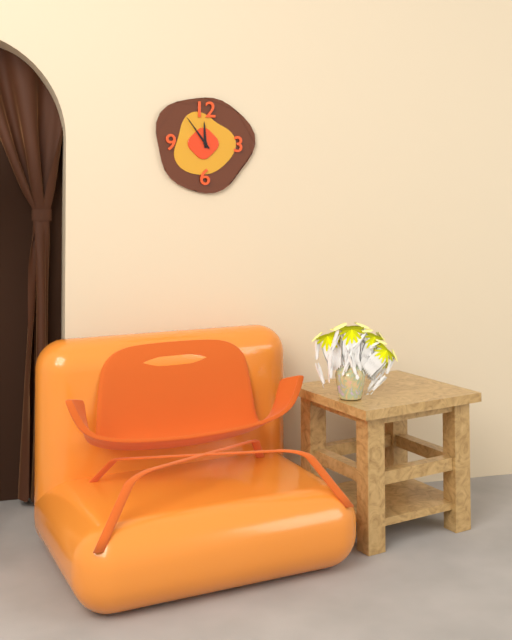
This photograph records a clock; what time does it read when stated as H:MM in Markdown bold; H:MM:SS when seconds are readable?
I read **11:54**
